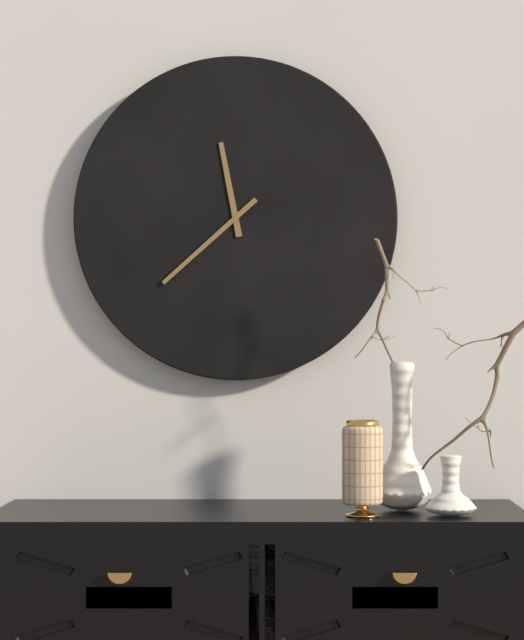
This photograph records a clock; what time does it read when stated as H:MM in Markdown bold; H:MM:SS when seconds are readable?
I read **11:38**
